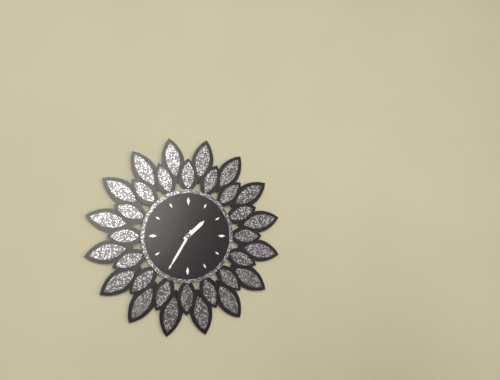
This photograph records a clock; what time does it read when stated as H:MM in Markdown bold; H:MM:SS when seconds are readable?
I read **1:35**
